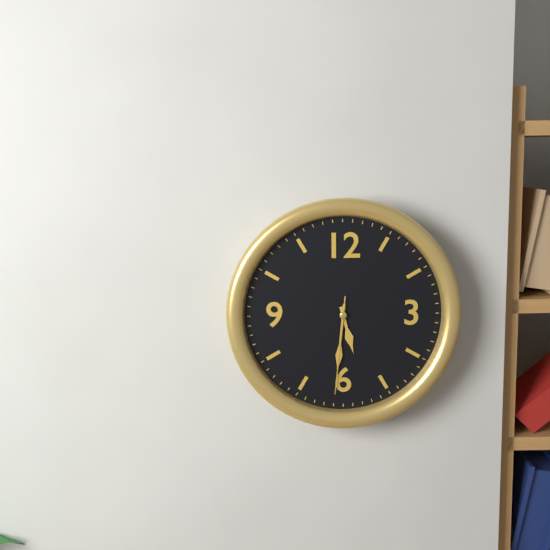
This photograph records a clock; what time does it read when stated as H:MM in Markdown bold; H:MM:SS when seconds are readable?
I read **5:31:31**
